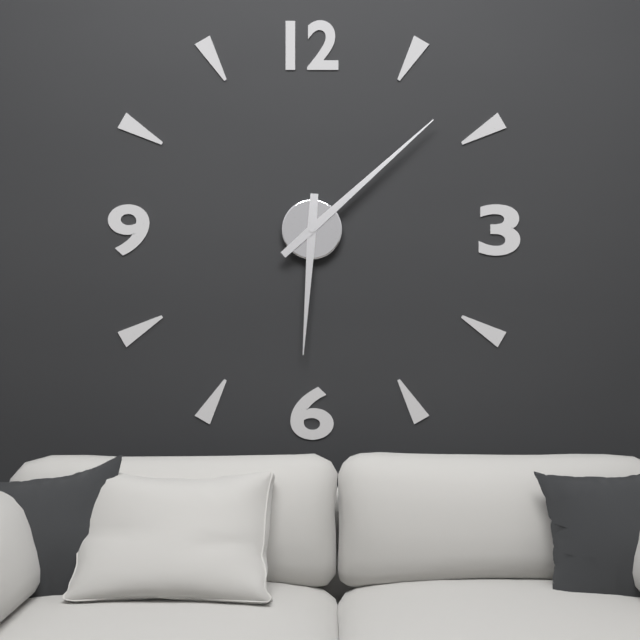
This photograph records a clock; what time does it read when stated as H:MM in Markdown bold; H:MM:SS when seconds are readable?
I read **6:08**
